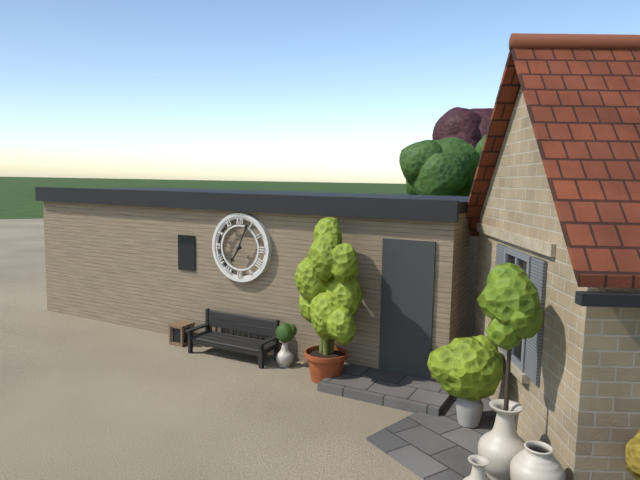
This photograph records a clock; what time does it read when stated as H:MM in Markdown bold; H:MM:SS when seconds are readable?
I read **7:04**
